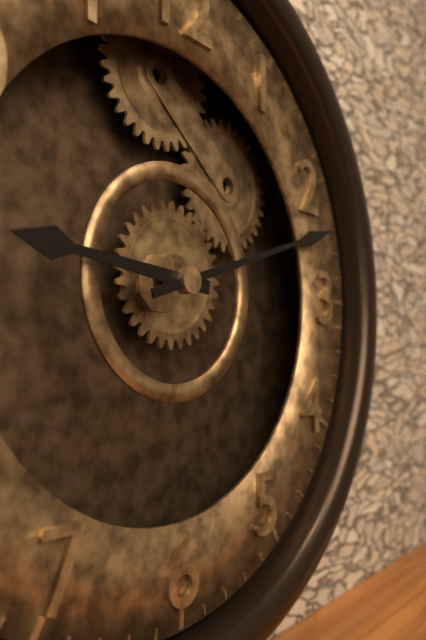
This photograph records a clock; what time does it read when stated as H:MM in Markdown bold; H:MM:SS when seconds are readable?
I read **9:12**
